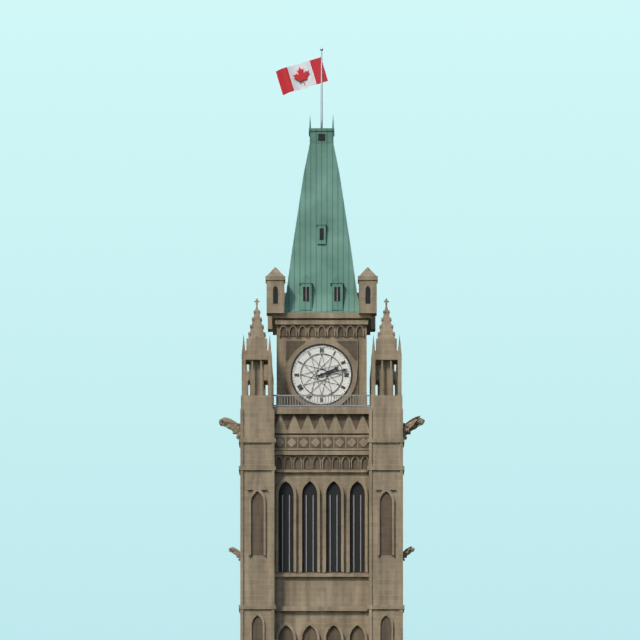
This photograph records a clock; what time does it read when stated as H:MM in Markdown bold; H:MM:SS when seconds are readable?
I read **2:13**
